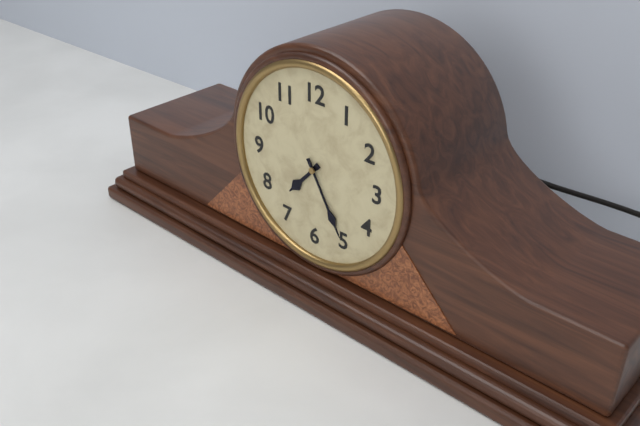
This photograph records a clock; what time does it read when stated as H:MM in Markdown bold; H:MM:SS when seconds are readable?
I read **7:25**
